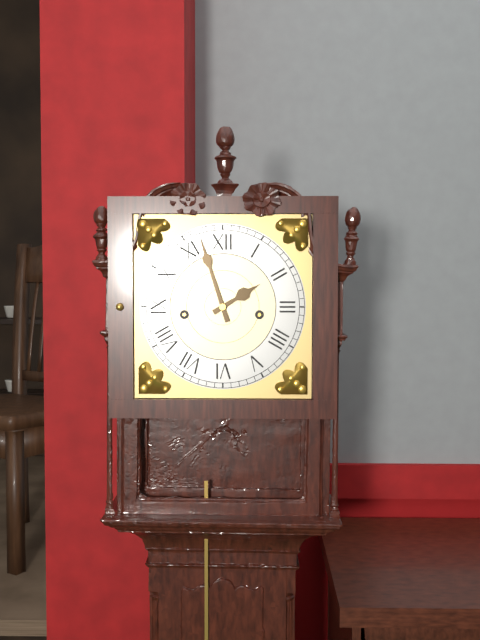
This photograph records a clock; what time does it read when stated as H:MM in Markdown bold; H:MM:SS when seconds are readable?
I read **1:57**
